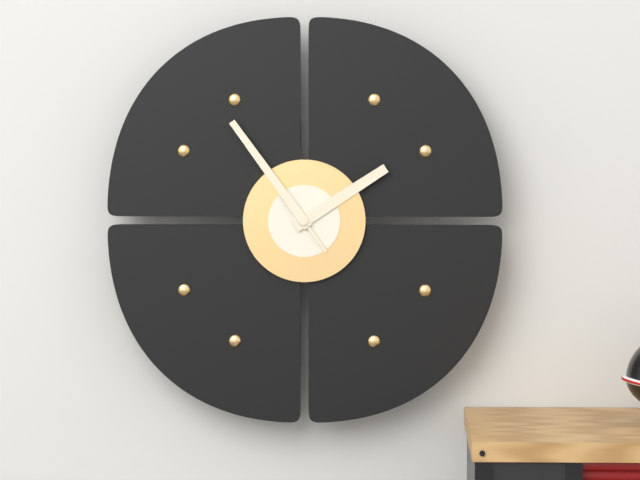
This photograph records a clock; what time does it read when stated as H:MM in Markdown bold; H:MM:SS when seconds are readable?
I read **1:54**
